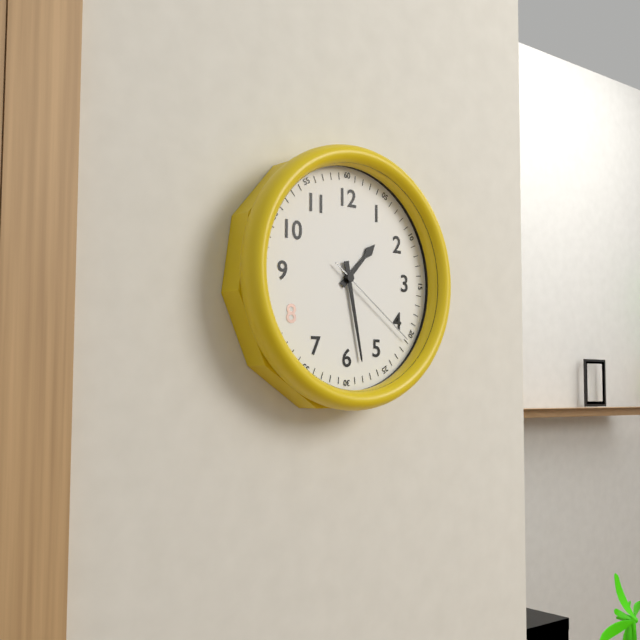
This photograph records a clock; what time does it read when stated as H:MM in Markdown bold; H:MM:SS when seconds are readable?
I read **1:28:21**
